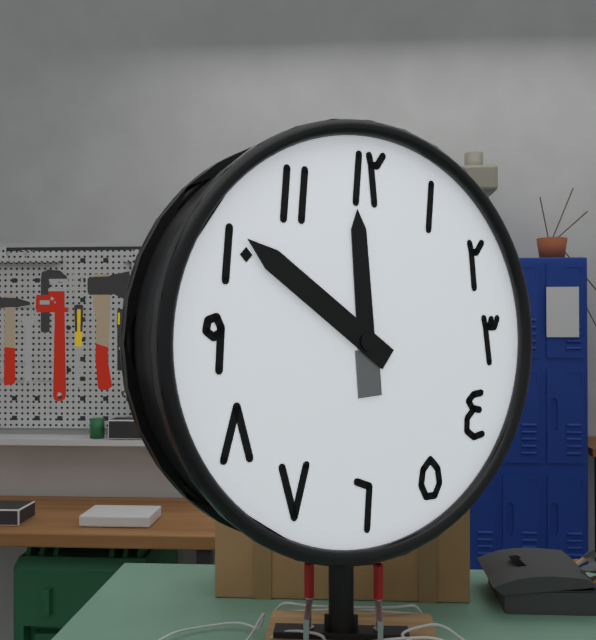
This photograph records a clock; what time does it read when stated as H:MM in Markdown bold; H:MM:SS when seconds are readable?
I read **11:51**
